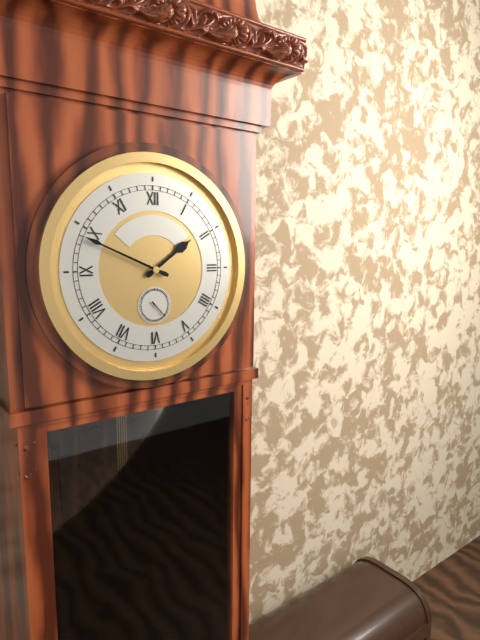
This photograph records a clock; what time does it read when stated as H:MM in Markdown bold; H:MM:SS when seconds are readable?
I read **1:49**
